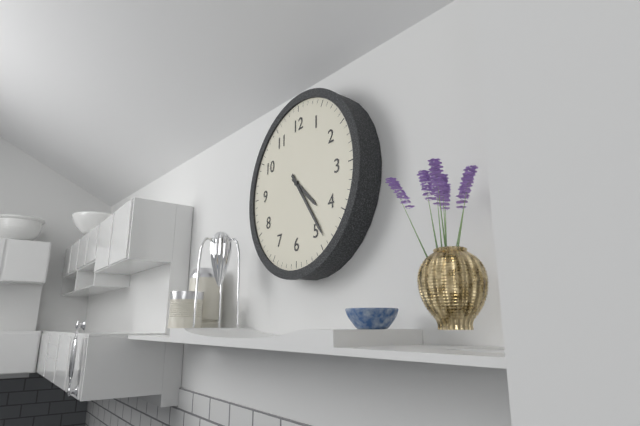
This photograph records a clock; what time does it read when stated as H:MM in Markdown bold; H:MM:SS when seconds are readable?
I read **4:24**
